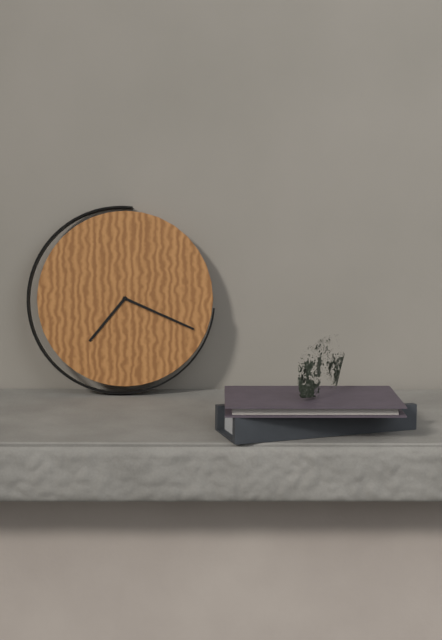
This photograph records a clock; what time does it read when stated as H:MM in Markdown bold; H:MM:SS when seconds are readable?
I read **7:19**
